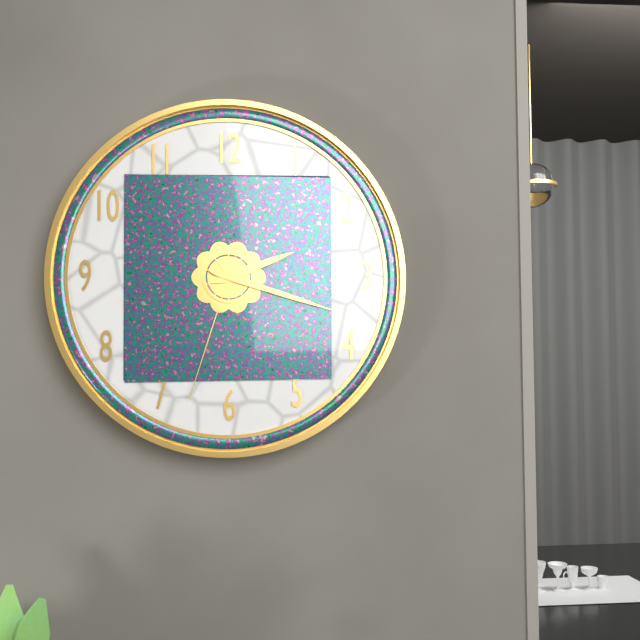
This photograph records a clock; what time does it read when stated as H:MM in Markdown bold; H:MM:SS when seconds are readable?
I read **2:18:33**
